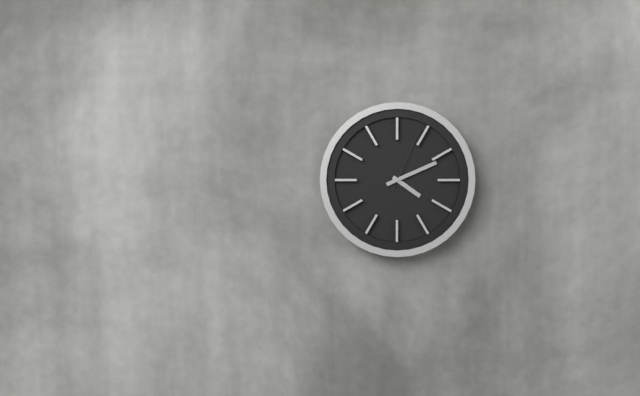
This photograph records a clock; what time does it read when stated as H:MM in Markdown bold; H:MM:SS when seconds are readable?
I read **4:11:04**
